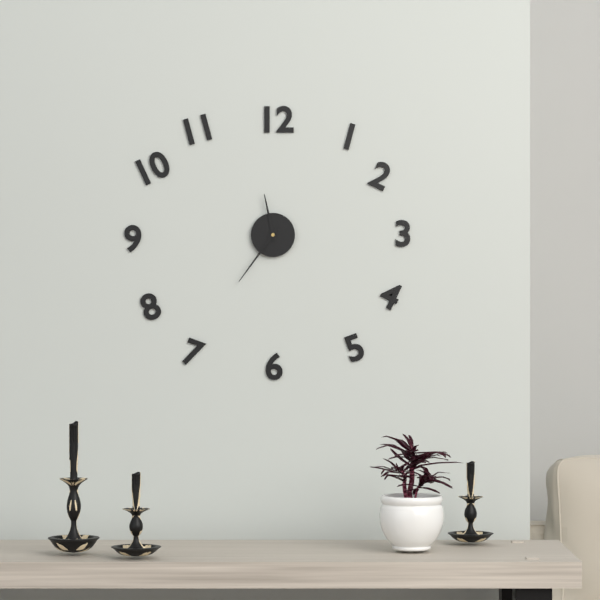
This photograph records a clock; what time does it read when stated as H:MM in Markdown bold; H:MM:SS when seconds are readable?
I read **11:36**
